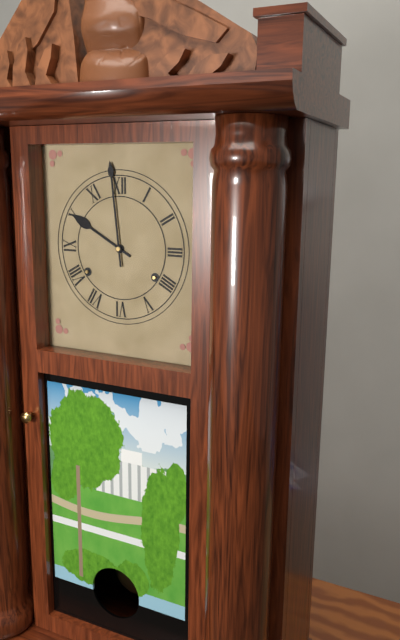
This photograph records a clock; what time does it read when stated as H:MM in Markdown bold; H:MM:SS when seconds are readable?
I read **9:59**
